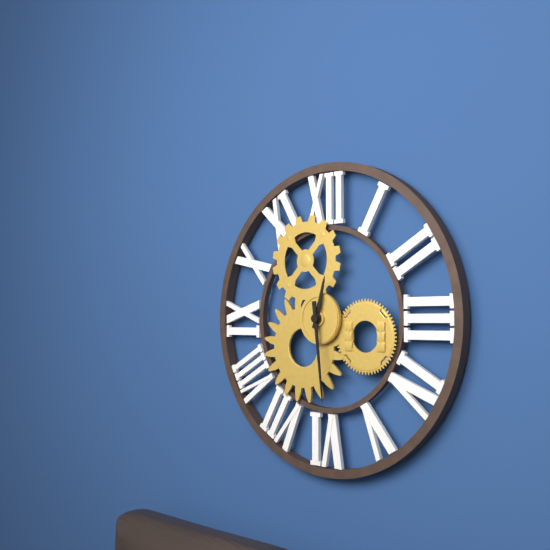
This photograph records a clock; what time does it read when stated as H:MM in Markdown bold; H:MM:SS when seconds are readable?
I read **12:29**
